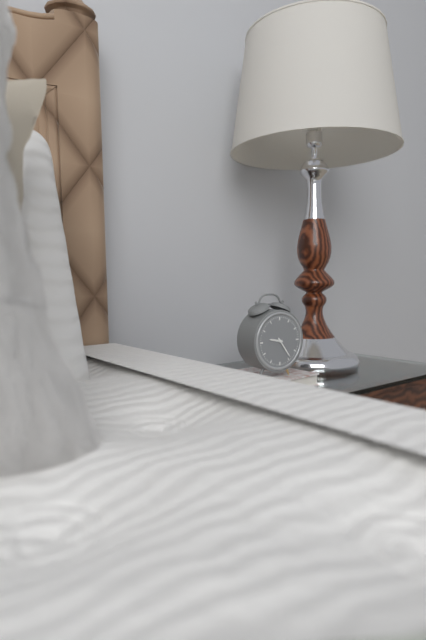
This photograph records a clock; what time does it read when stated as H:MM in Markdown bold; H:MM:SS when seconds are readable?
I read **9:24**
